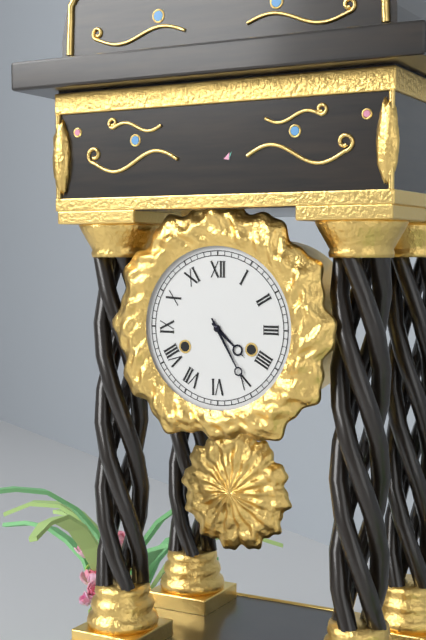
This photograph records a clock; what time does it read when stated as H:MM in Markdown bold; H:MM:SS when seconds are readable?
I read **4:25**
